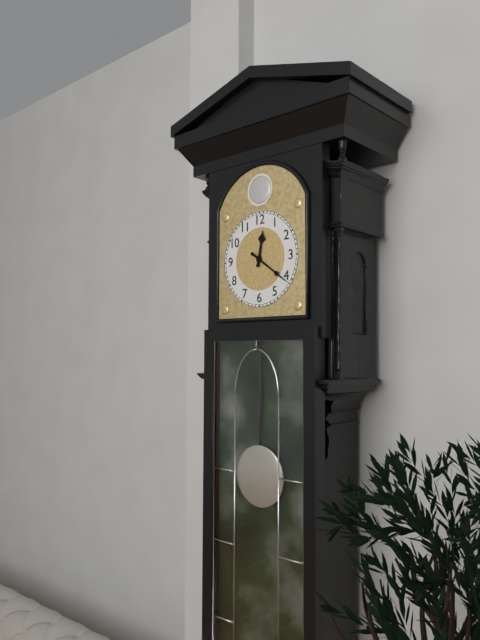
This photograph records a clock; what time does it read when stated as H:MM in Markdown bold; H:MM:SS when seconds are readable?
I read **12:21**
